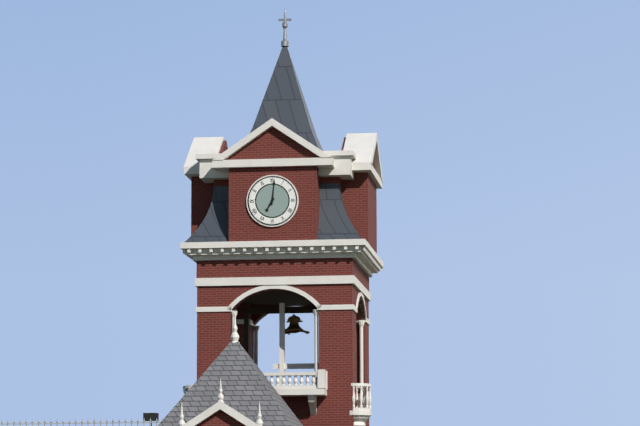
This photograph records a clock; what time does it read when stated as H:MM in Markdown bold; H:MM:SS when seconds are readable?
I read **7:01**
